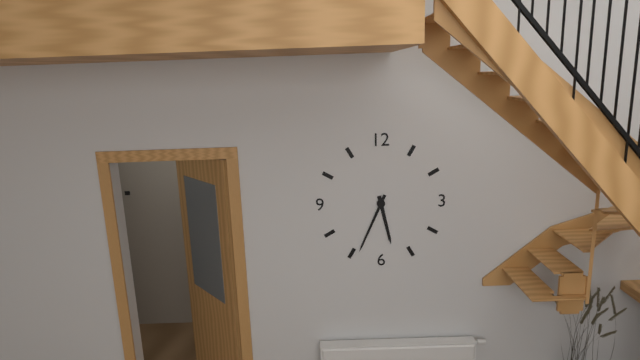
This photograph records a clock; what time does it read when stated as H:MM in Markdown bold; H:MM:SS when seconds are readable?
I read **5:34**
